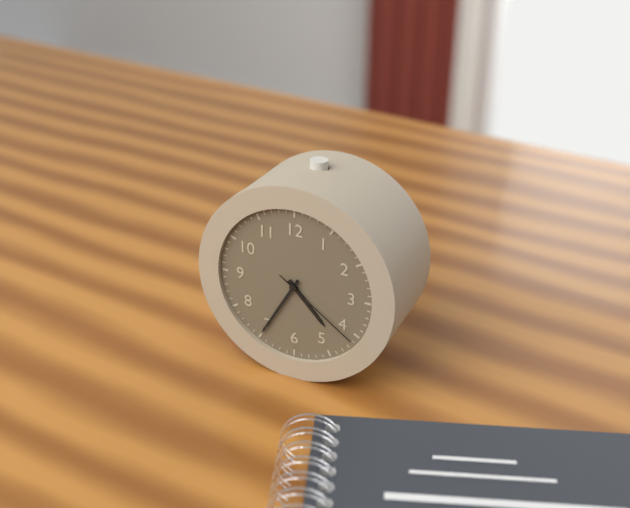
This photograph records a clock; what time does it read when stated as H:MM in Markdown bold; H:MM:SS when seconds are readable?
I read **4:35:21**
